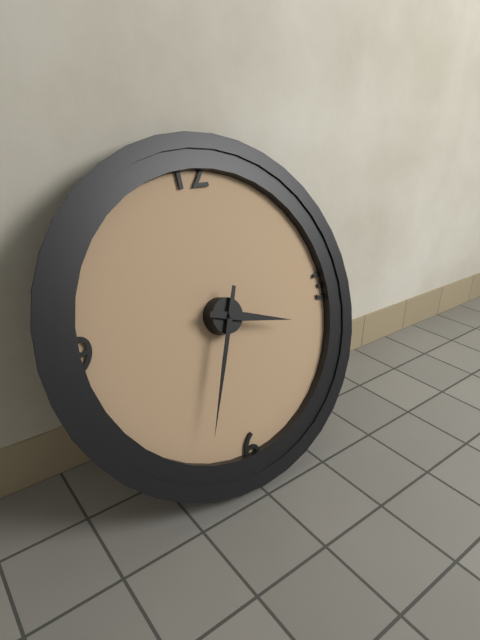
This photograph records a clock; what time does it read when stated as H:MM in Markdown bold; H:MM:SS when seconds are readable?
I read **3:34**
